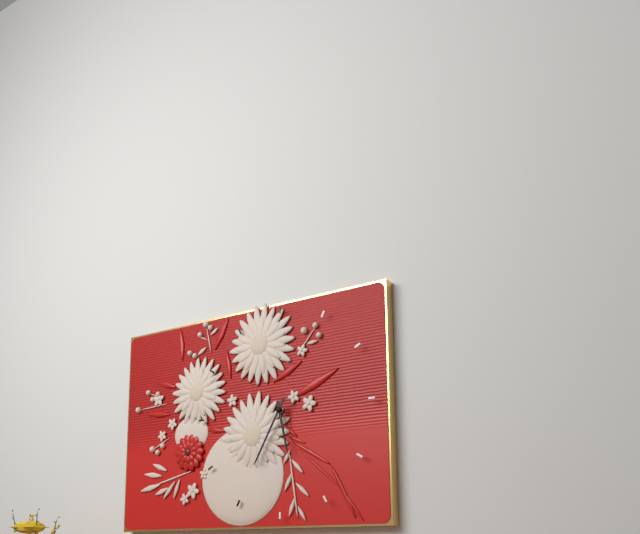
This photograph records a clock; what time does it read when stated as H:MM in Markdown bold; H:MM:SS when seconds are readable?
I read **5:35**
